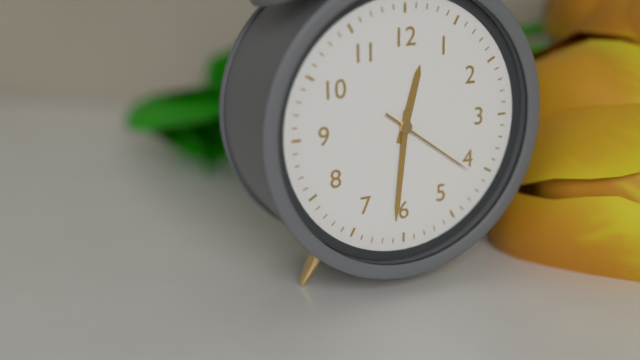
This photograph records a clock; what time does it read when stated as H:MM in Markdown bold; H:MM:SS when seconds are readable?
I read **12:31:21**
